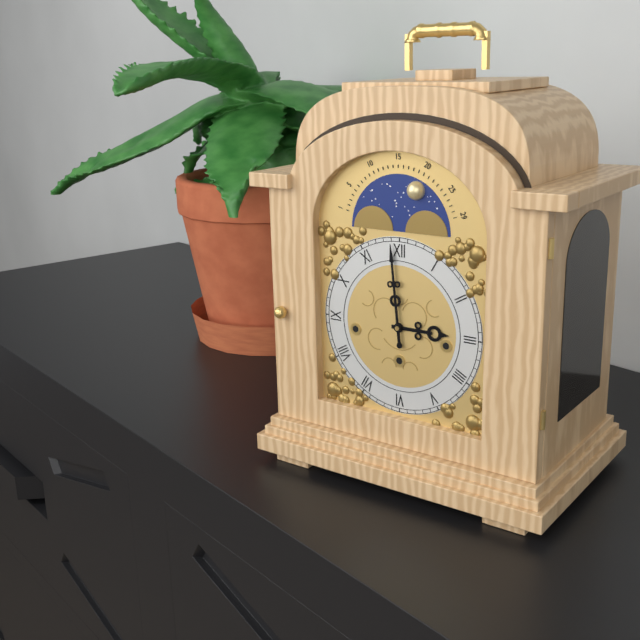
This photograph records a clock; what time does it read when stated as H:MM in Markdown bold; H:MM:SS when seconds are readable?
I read **2:59**
